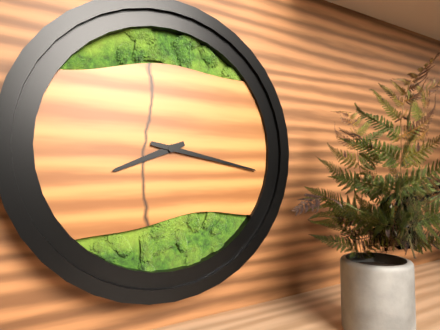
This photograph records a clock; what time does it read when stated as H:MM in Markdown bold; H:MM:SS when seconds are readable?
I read **8:17**
